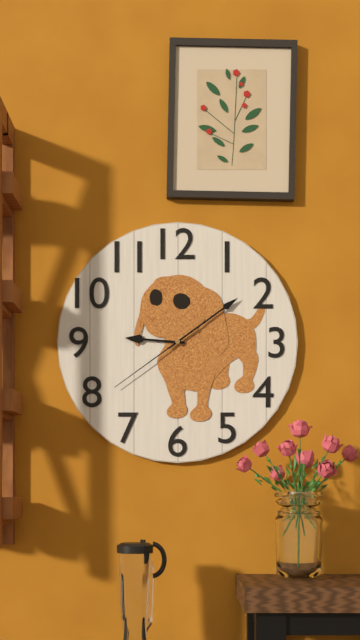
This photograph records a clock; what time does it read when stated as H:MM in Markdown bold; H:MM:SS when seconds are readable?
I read **9:09:39**
